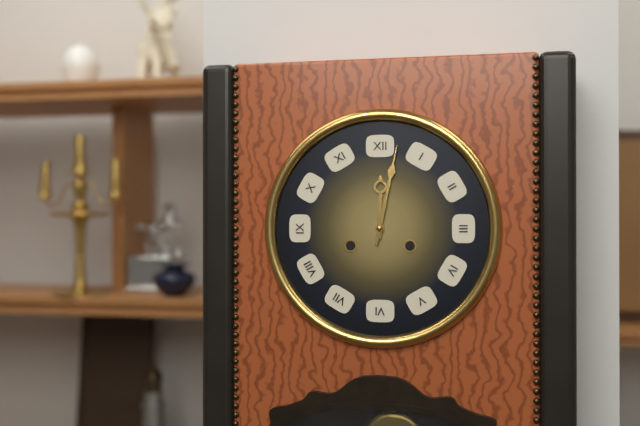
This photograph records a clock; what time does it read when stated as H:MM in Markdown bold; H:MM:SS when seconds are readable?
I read **12:02**
